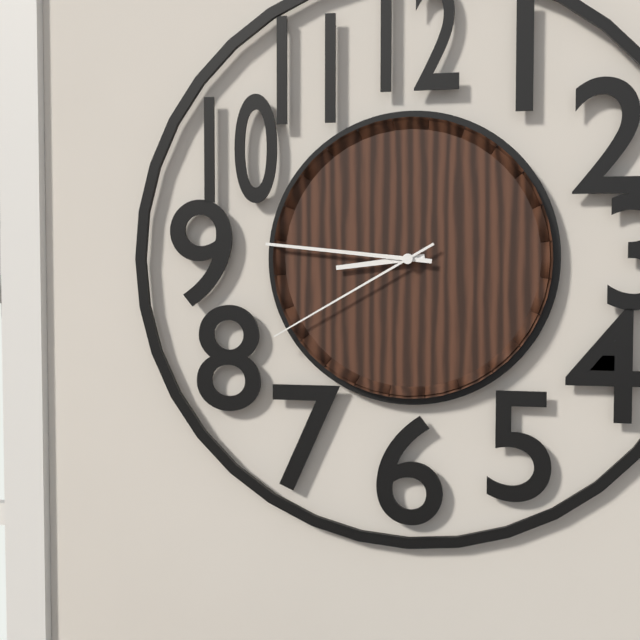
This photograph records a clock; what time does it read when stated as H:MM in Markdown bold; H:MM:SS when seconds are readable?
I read **8:46:40**
